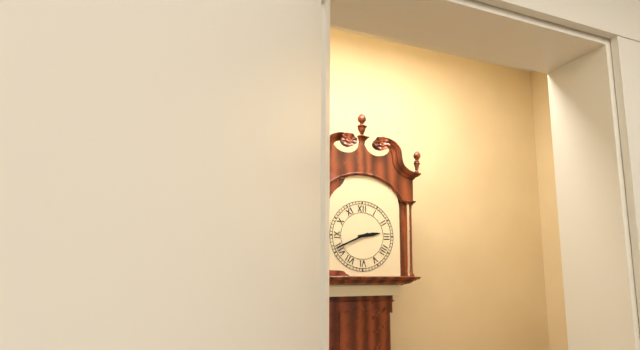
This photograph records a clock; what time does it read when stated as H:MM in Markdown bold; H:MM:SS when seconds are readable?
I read **2:41**
